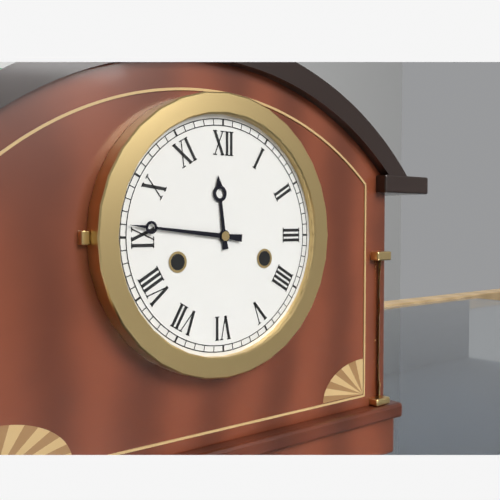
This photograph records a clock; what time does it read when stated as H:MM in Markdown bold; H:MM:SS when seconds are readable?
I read **11:46**
